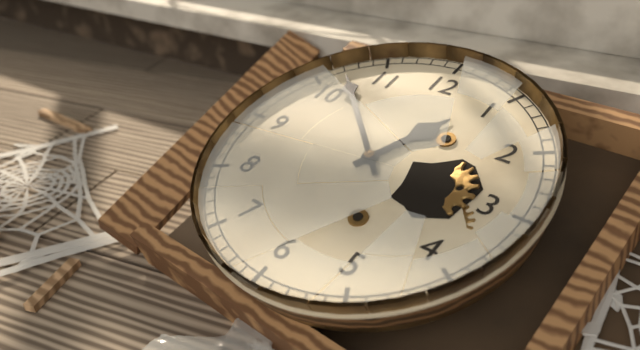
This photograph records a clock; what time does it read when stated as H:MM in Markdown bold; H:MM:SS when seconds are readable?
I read **12:52**
